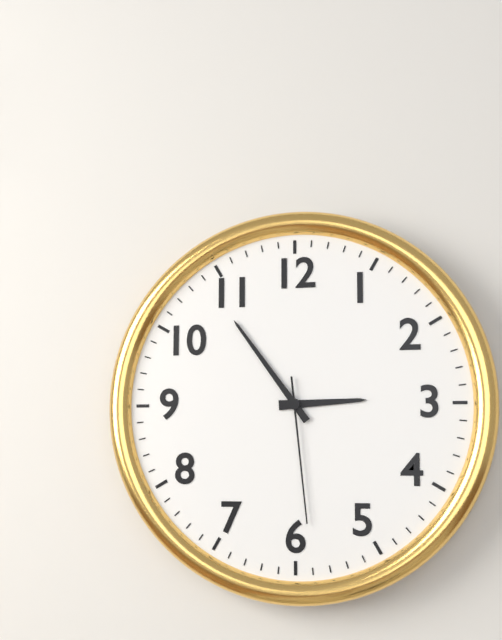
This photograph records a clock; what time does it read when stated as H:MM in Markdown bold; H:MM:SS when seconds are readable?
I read **2:54:29**
